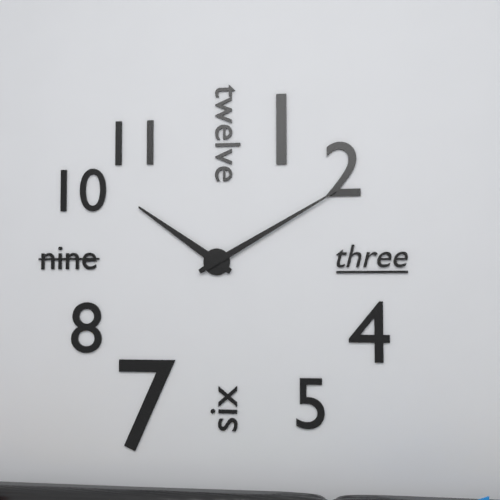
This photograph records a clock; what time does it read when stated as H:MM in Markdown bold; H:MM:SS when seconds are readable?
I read **10:10**
